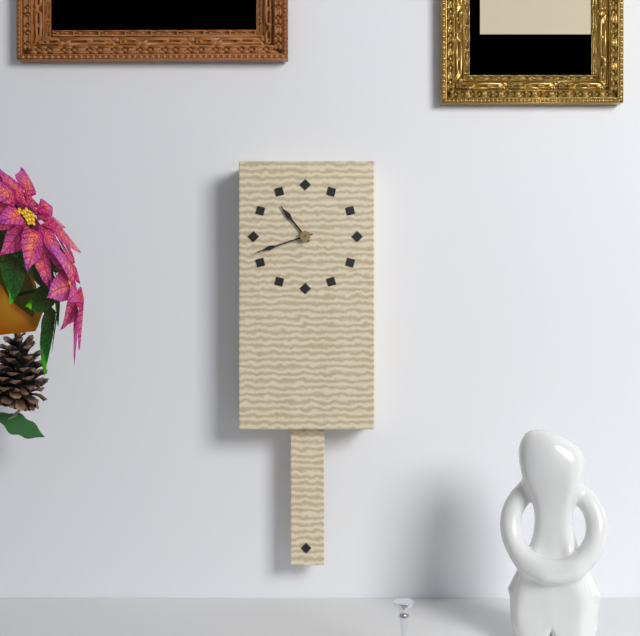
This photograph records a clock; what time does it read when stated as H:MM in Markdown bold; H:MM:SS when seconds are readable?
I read **10:42**
